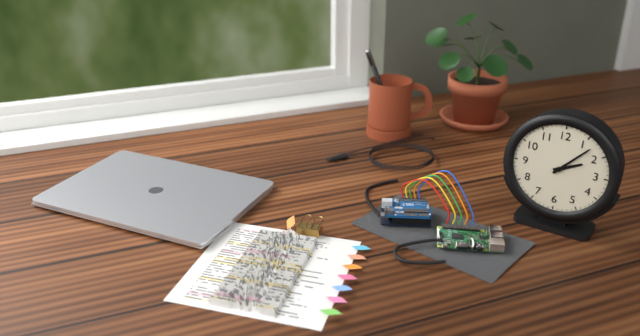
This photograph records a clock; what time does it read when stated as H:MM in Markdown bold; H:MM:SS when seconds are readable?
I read **2:07**
